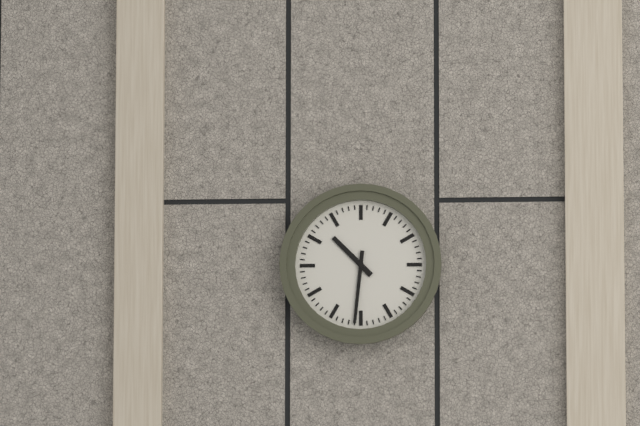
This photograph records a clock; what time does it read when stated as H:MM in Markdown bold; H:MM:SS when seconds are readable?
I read **10:31**
